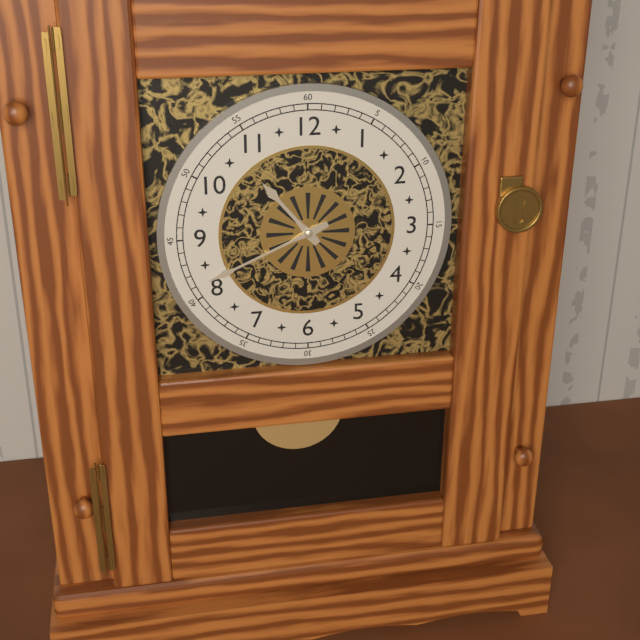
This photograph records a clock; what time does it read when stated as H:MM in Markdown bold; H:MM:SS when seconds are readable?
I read **10:41**
